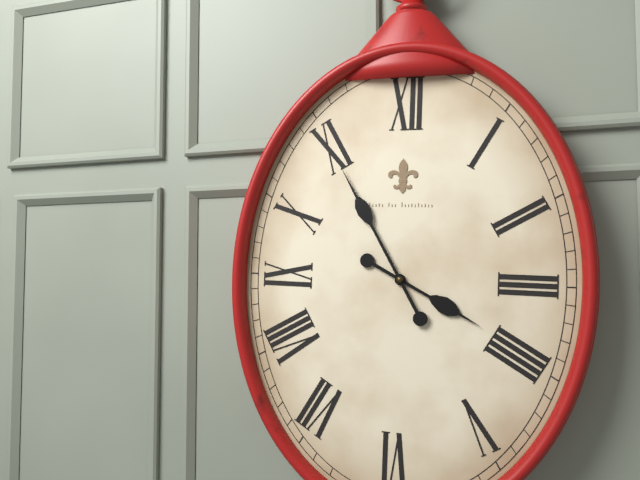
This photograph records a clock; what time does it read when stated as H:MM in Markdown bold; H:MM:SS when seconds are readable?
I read **3:55**
